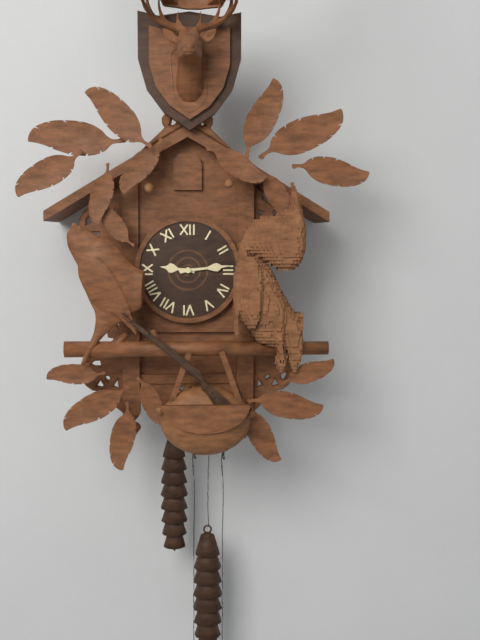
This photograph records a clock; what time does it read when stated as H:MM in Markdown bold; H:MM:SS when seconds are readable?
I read **9:14**
